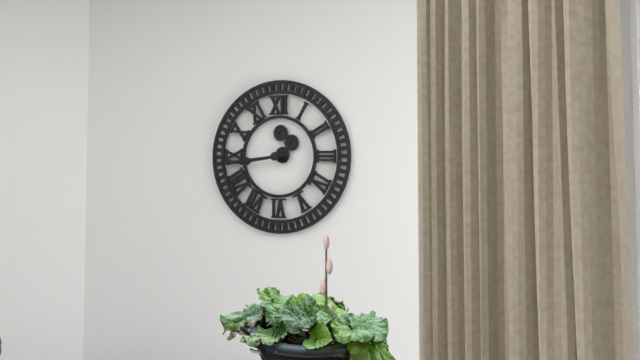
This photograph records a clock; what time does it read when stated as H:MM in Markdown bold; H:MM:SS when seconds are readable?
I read **8:44**
